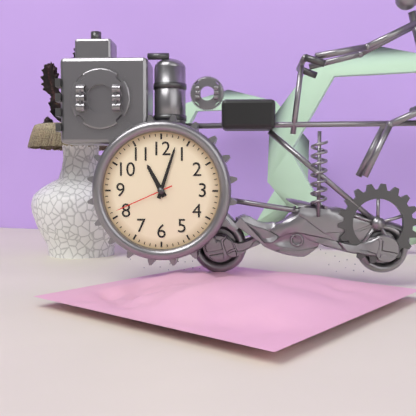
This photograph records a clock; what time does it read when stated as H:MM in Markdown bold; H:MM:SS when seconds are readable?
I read **11:03:41**
